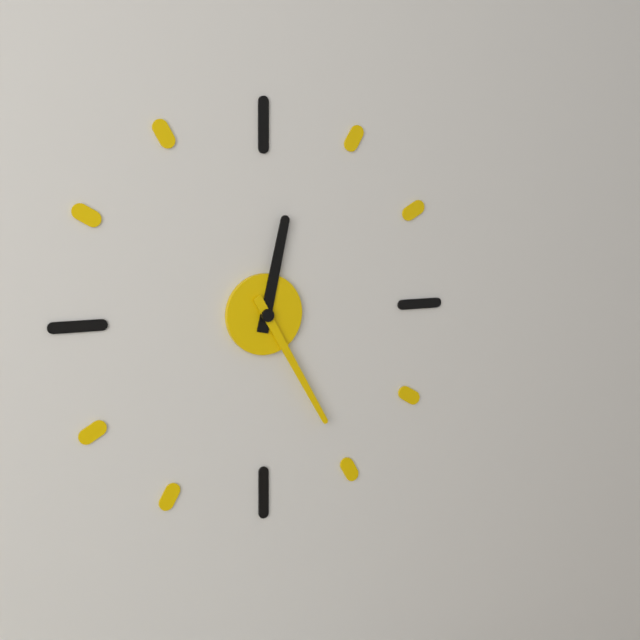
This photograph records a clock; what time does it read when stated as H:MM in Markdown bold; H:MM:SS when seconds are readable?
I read **12:25**
